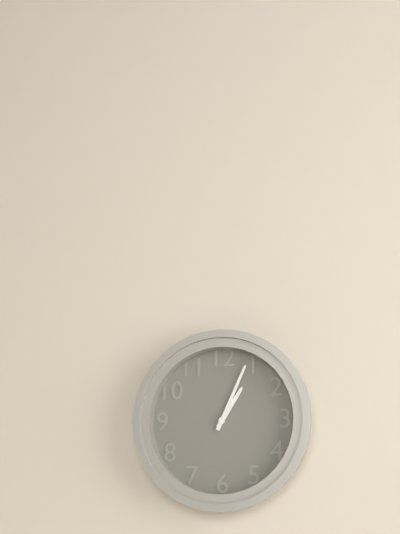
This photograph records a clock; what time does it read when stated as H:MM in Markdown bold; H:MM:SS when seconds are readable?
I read **1:04**
